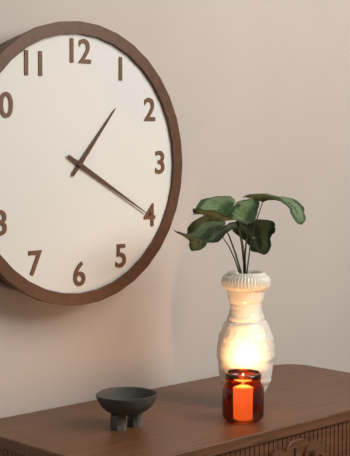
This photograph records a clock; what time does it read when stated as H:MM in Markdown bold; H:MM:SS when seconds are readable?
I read **1:20**
